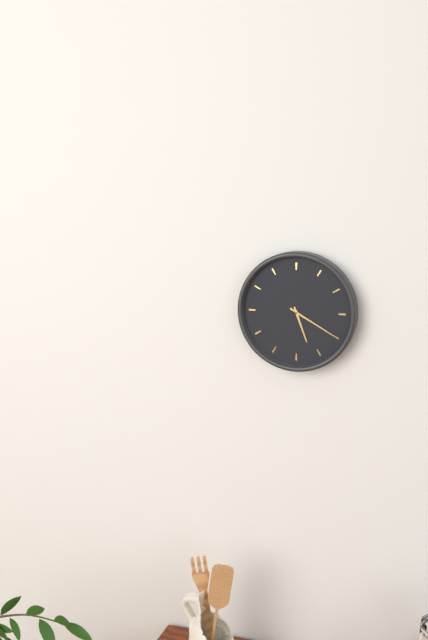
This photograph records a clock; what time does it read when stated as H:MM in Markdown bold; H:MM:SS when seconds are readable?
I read **5:20**
